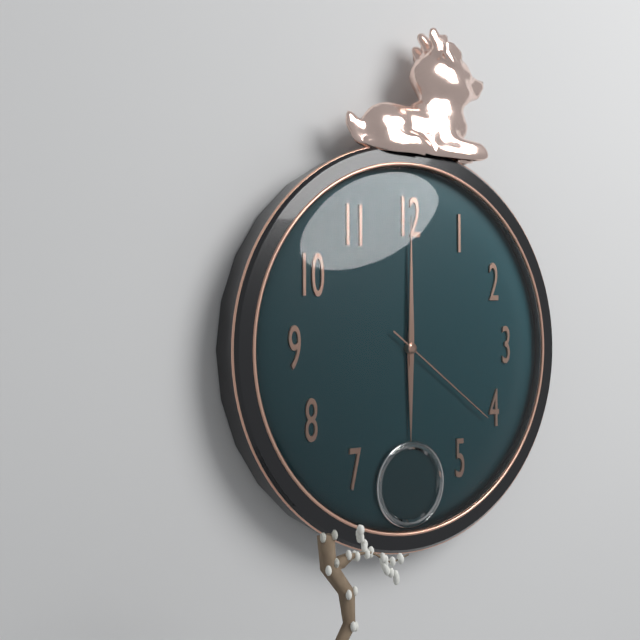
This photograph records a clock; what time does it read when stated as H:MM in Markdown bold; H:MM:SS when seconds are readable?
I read **6:00:21**
